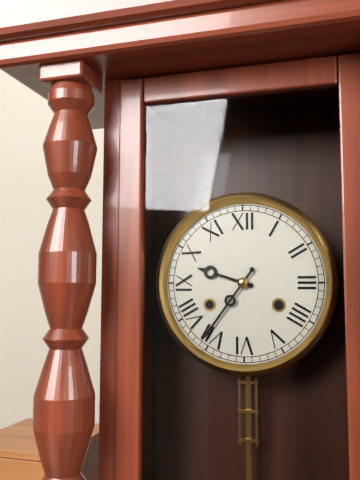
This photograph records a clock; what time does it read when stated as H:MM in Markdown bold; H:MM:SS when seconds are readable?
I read **9:36**
